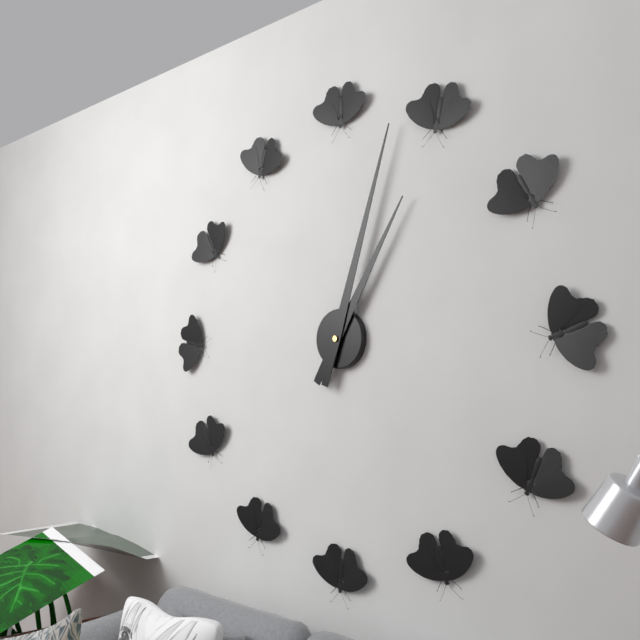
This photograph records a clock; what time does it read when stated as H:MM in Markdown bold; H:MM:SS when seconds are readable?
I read **1:03**
